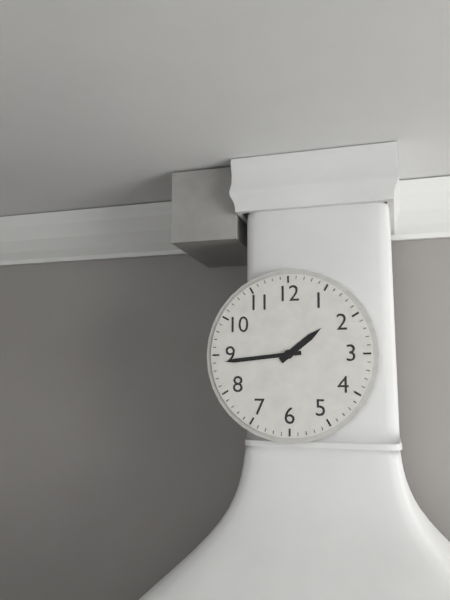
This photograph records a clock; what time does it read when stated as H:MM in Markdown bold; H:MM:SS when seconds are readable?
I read **1:44**
